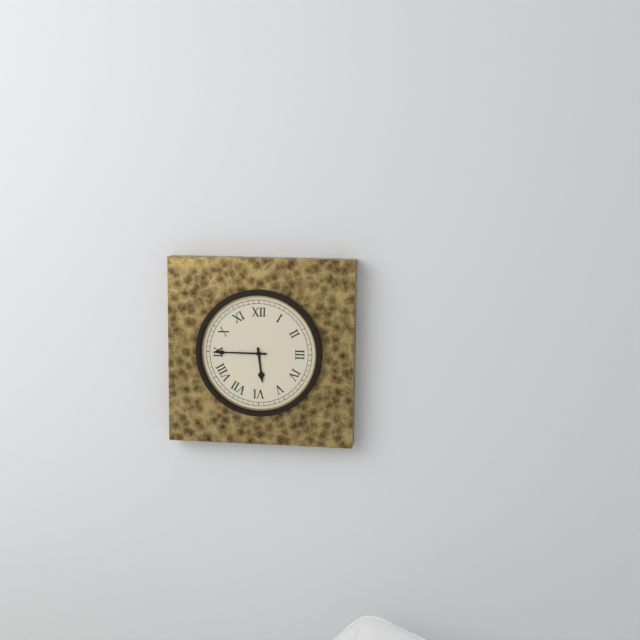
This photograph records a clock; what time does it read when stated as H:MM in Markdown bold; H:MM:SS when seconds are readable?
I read **5:45**
